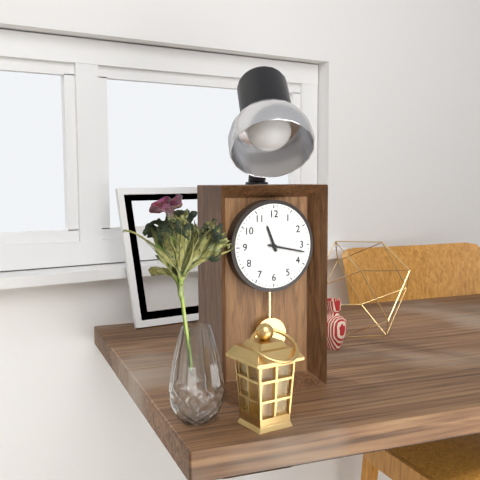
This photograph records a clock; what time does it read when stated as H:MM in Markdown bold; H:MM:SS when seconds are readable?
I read **11:17**
